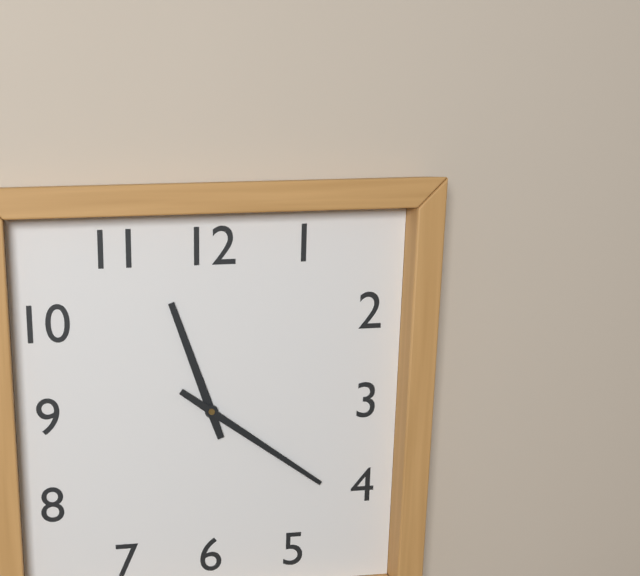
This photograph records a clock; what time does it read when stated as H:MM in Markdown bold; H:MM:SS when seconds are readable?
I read **11:21**
